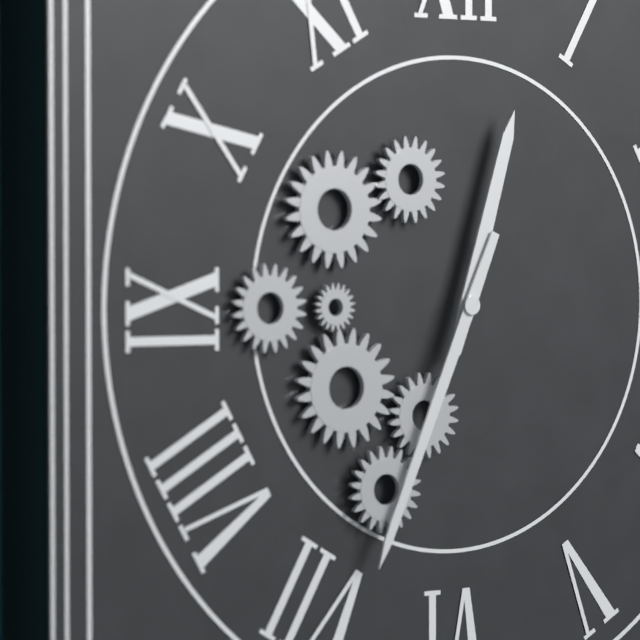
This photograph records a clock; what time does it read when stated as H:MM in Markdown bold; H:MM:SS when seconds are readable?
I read **12:34**
